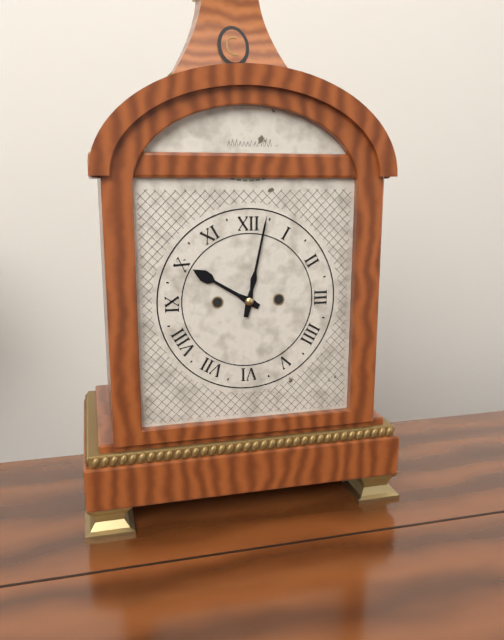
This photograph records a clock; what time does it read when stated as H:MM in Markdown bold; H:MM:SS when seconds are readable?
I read **10:02**
